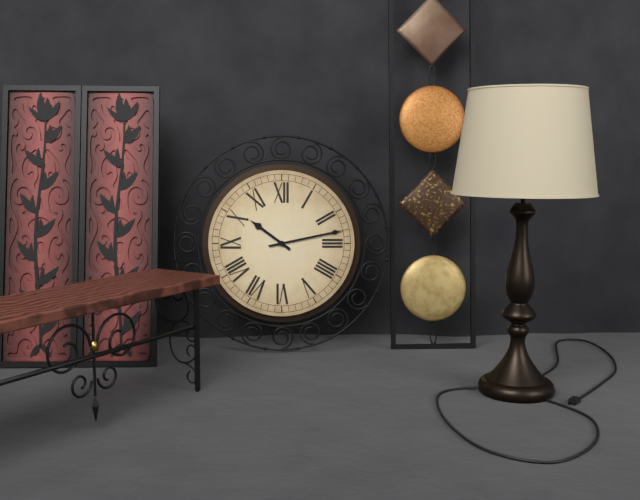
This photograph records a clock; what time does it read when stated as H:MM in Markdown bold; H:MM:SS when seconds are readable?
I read **10:13**
